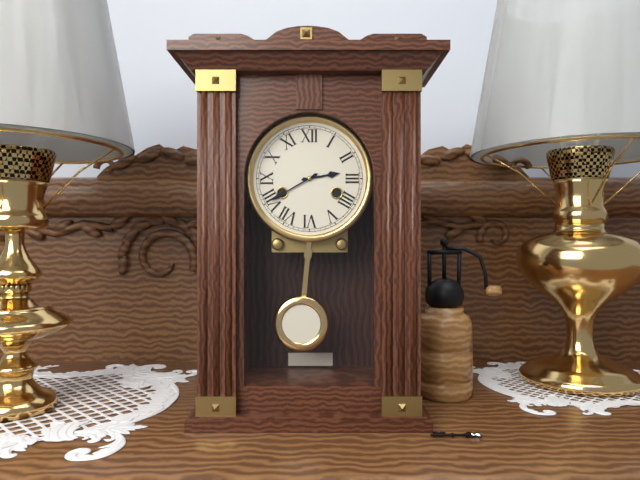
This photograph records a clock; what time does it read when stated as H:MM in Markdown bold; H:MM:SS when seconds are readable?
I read **2:40**
